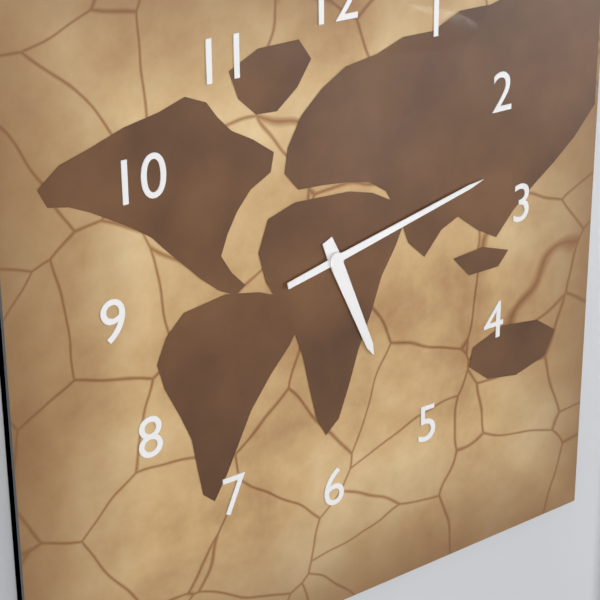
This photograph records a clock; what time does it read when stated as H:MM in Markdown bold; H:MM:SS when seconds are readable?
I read **5:13**
